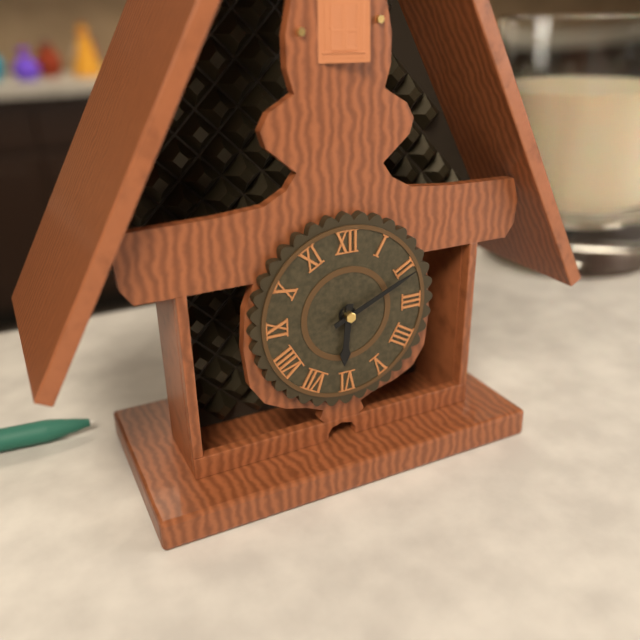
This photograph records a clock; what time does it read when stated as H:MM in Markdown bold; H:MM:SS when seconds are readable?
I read **6:11**
